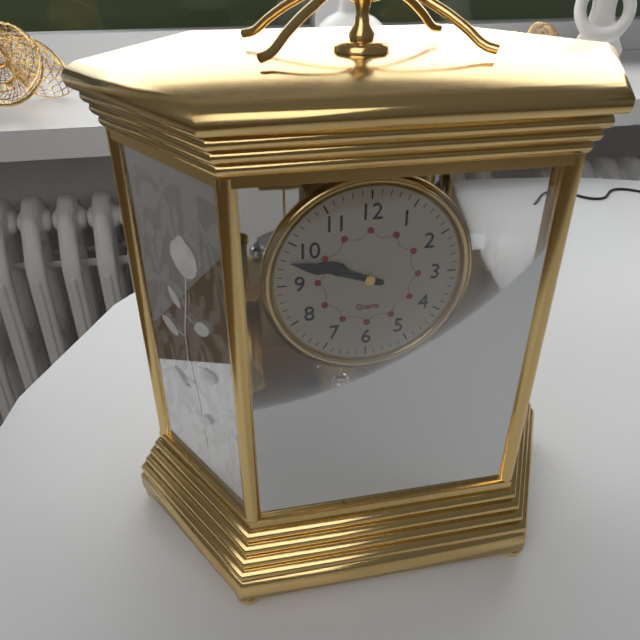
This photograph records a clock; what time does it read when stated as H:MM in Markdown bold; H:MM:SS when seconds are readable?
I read **9:48**
